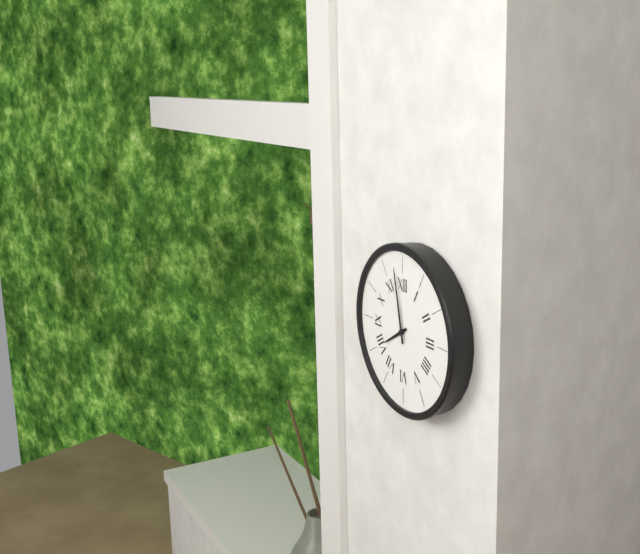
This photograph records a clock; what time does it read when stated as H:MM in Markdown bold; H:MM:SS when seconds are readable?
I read **7:58**
